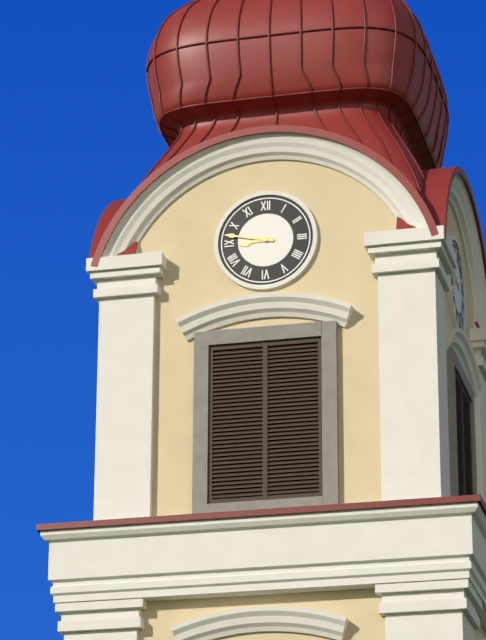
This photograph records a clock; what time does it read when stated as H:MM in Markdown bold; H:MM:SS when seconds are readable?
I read **8:47**
